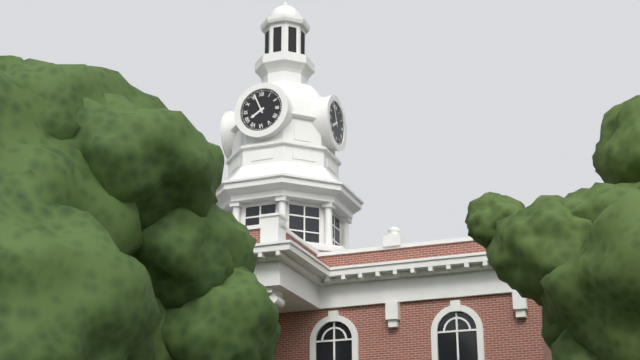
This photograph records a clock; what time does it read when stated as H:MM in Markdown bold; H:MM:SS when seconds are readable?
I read **7:56**
